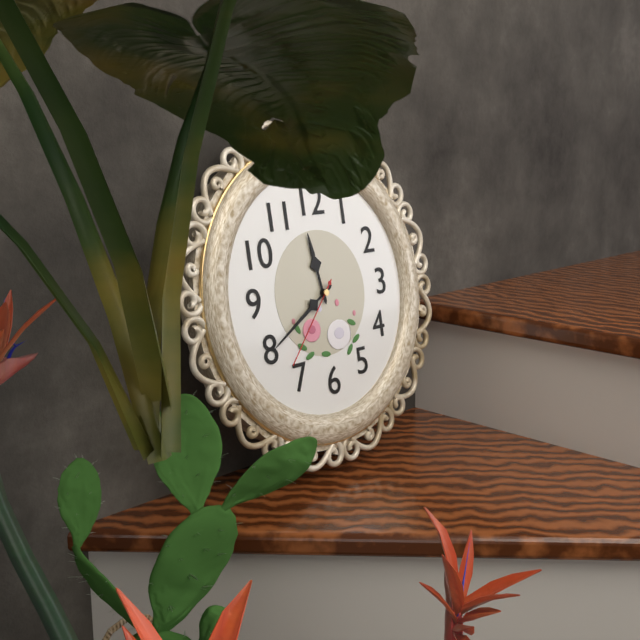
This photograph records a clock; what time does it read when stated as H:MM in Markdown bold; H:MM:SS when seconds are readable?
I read **11:40:37**
